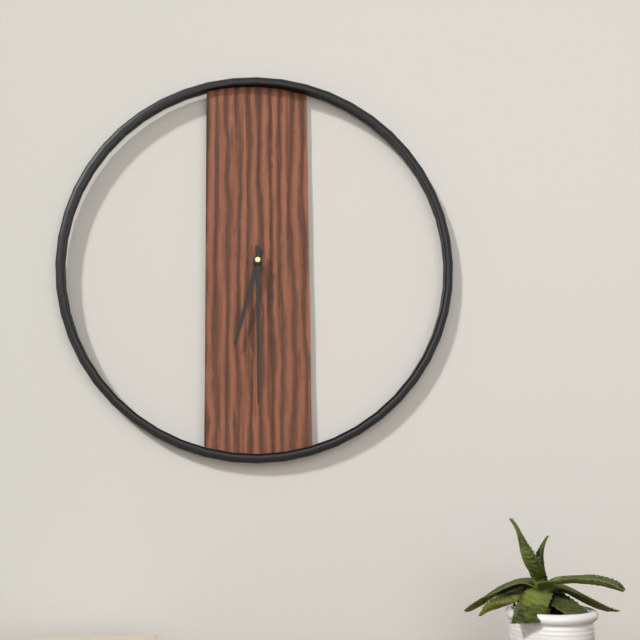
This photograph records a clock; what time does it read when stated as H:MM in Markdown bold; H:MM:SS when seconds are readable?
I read **6:30**
